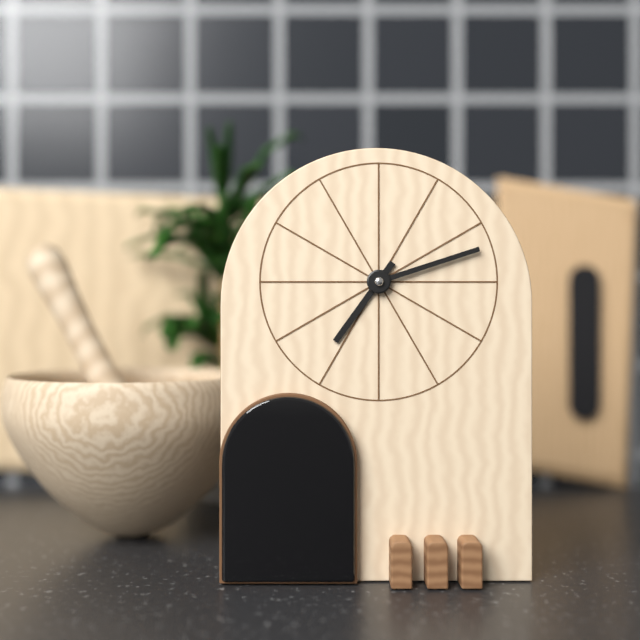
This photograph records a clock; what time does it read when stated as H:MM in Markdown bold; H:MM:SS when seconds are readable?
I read **7:12**
